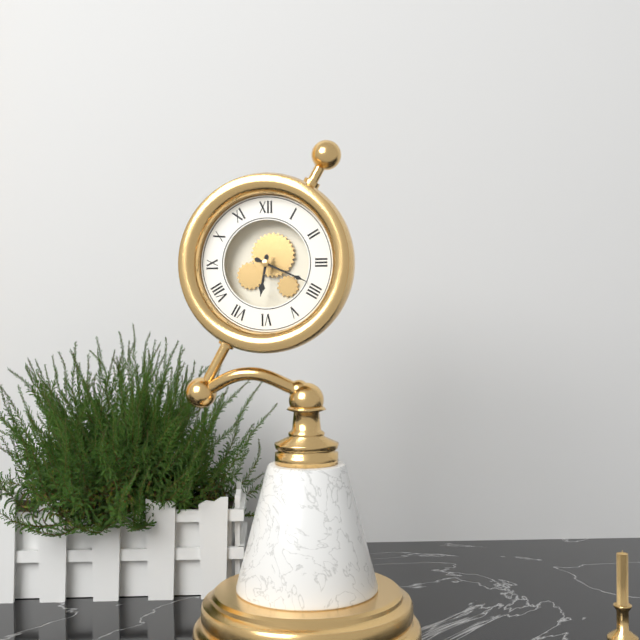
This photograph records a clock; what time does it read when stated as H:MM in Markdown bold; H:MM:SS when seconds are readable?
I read **6:19**
